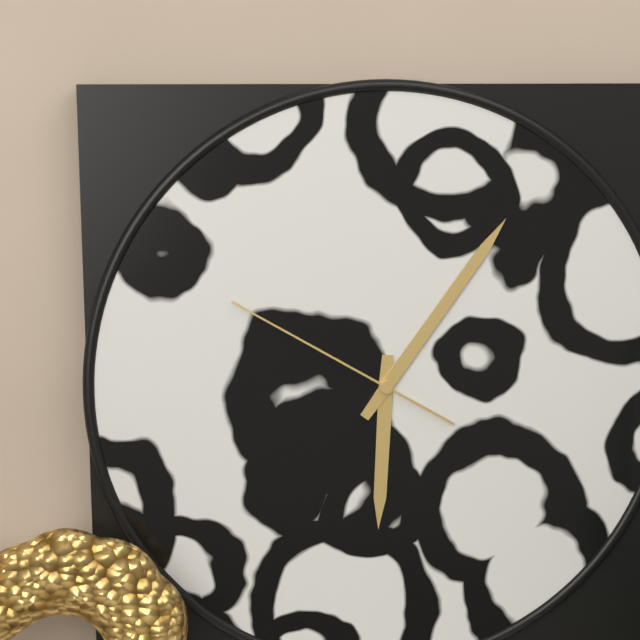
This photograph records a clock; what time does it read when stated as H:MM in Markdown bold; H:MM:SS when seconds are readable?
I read **6:06:50**
